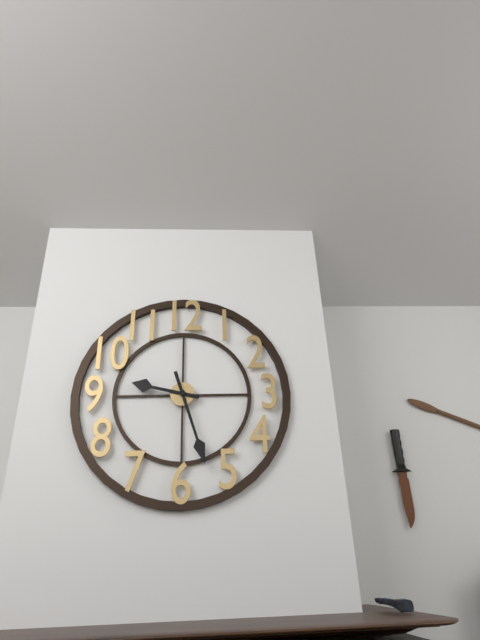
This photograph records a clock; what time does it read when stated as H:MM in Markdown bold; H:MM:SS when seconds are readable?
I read **9:27**
